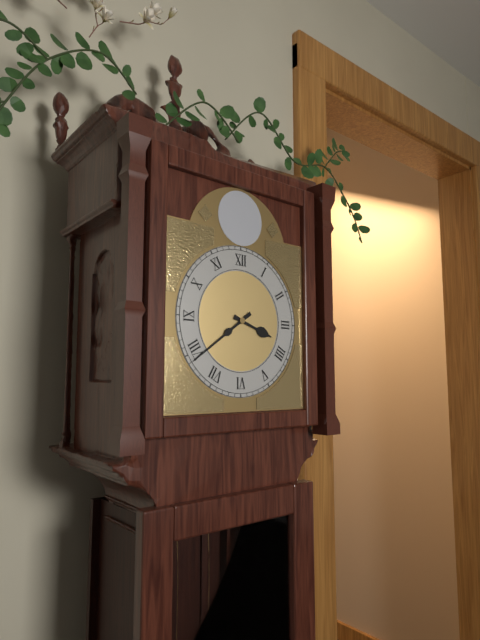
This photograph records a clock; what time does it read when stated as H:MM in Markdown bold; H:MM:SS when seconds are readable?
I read **3:39**
